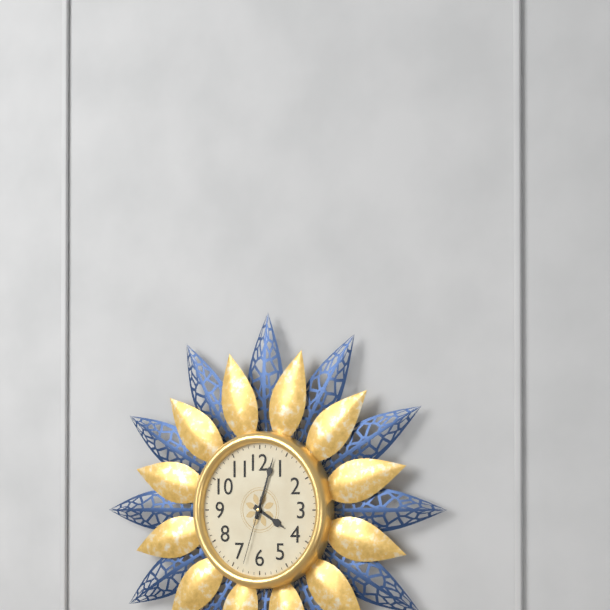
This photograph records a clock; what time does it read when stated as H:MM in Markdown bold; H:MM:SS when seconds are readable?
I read **4:03:33**
